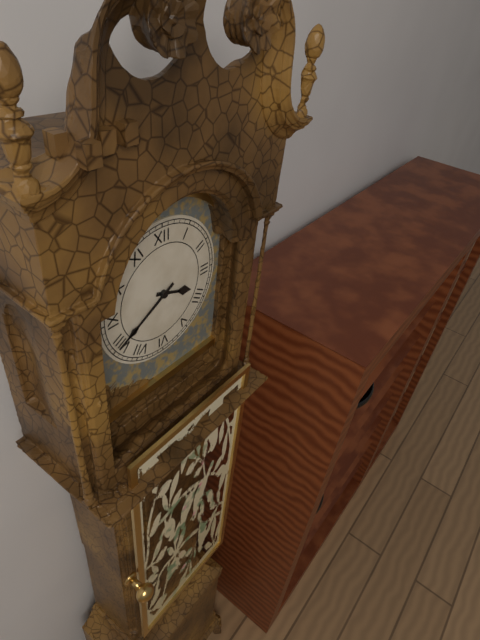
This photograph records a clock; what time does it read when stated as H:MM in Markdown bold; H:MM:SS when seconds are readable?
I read **3:40**
